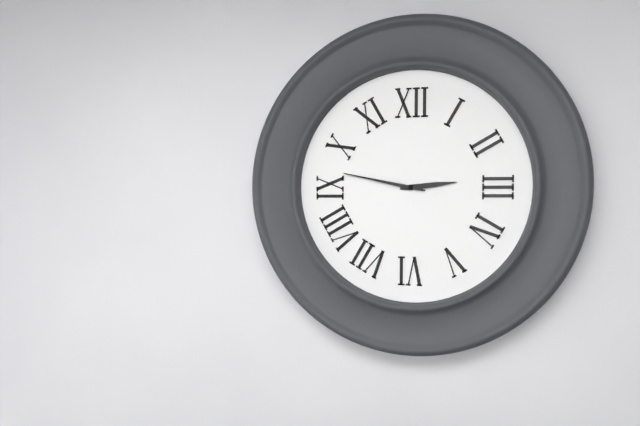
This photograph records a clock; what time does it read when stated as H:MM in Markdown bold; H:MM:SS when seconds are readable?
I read **2:47**
